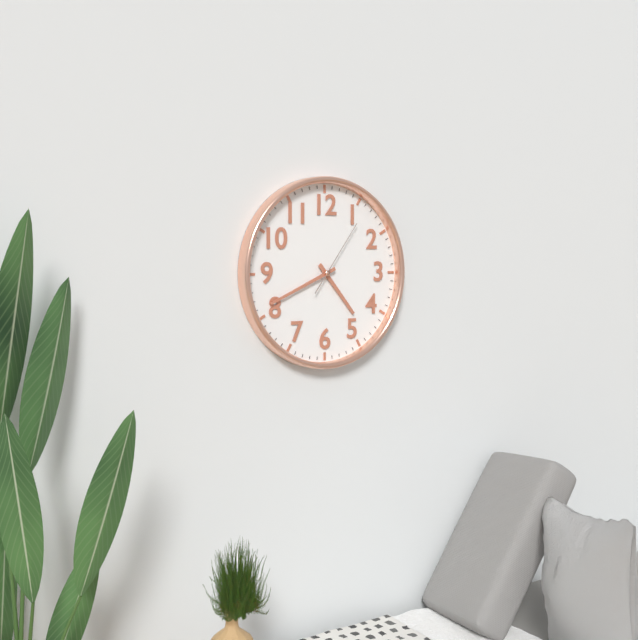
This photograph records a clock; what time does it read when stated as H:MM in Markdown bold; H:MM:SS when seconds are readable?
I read **4:41:06**
